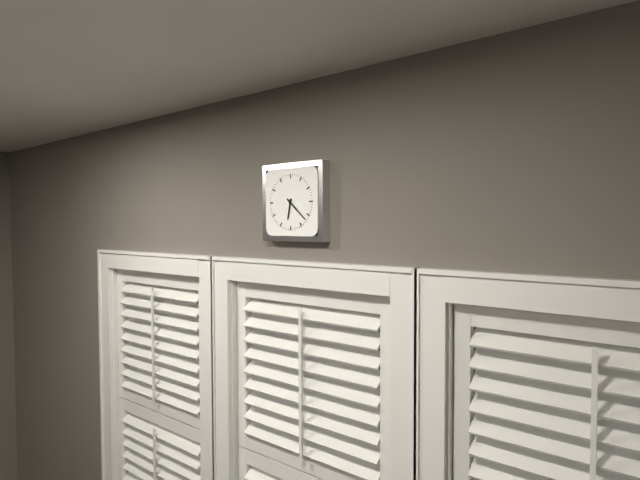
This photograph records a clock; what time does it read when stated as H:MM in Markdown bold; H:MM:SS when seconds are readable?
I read **6:22**
